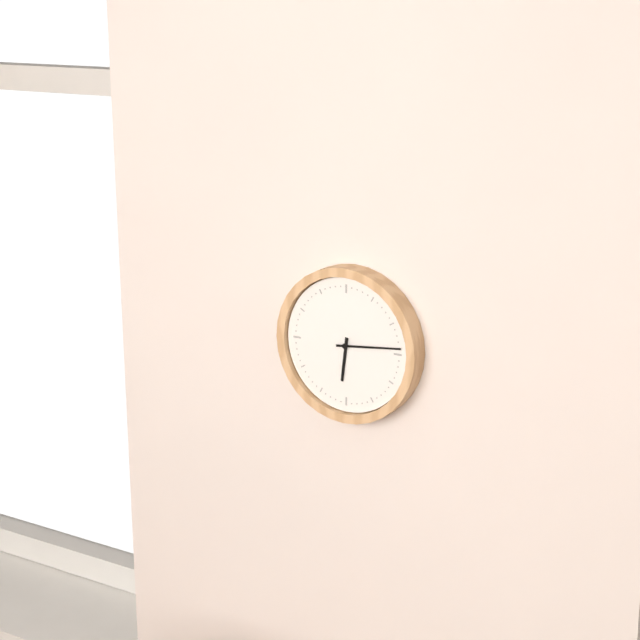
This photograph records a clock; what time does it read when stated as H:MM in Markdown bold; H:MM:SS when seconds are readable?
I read **6:14**
